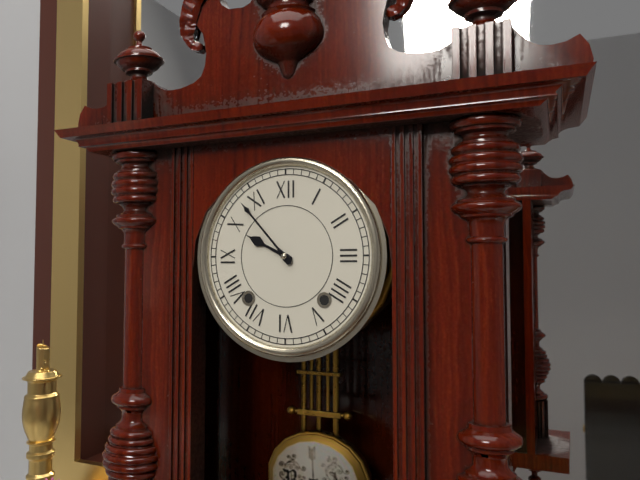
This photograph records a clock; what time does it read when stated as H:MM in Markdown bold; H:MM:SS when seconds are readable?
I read **9:53**
